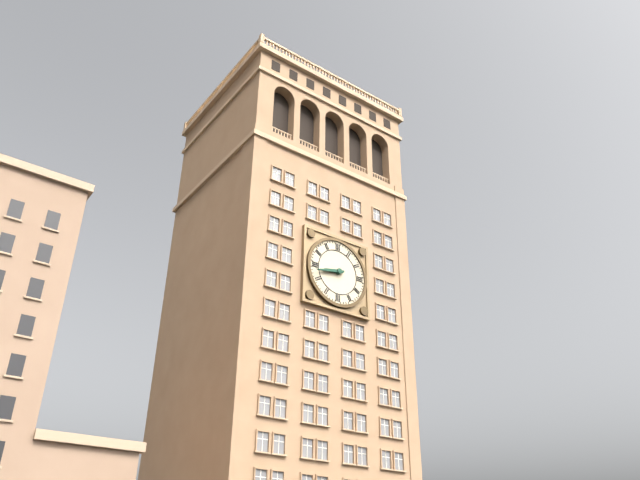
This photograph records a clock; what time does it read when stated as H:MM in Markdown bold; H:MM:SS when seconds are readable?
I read **8:43**
